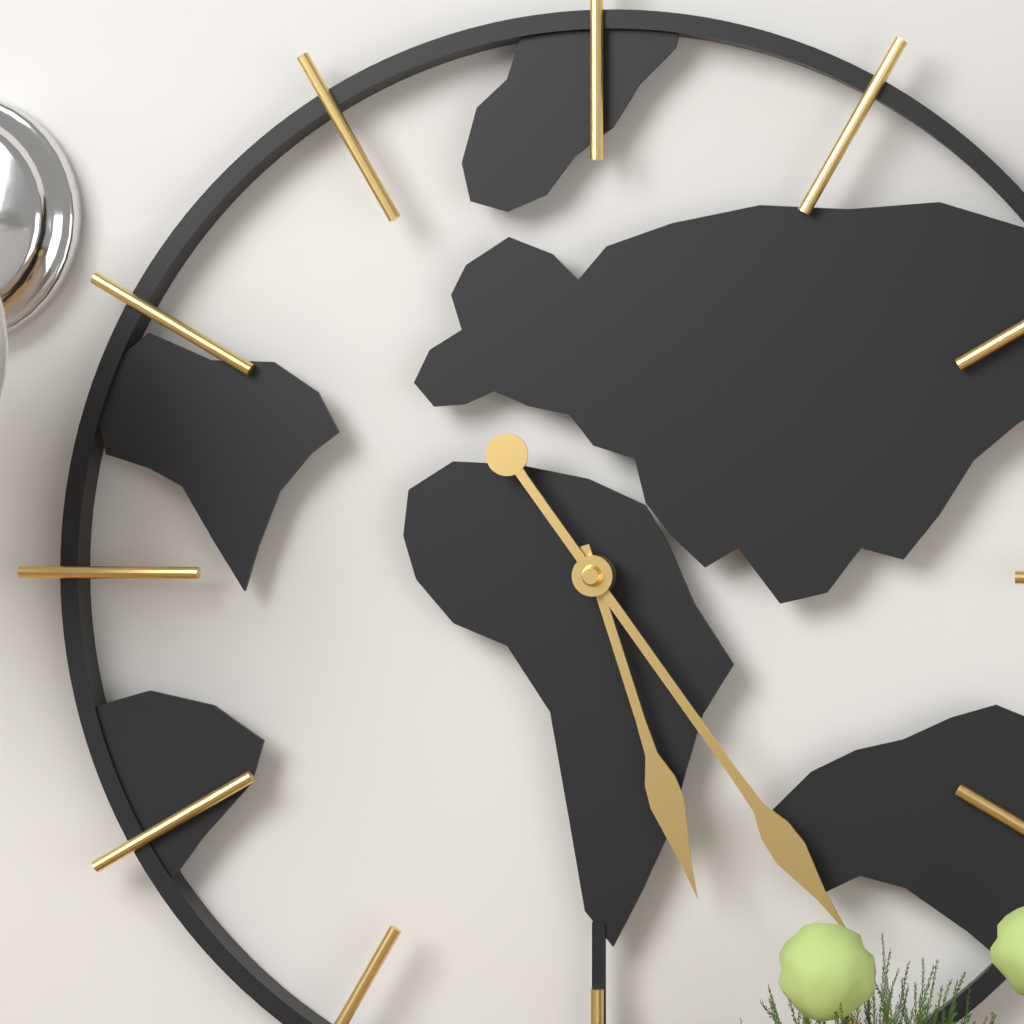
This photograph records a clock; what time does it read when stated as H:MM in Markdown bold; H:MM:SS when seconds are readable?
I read **5:24**
